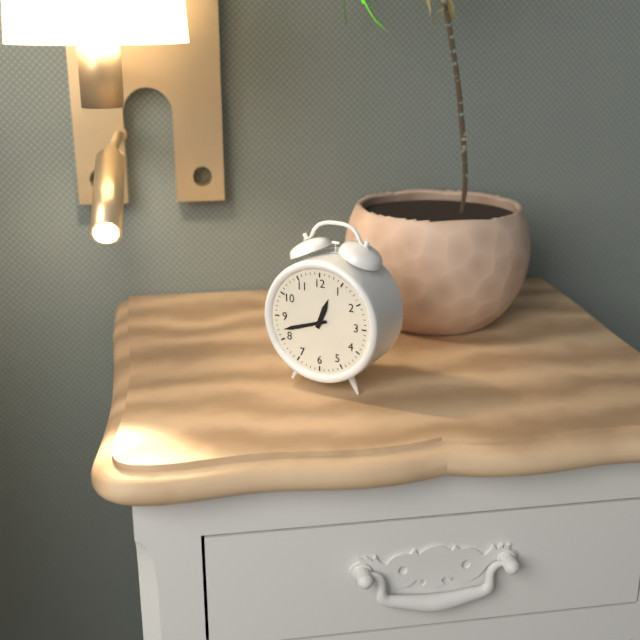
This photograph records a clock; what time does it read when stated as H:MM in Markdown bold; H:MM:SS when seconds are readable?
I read **12:42**
